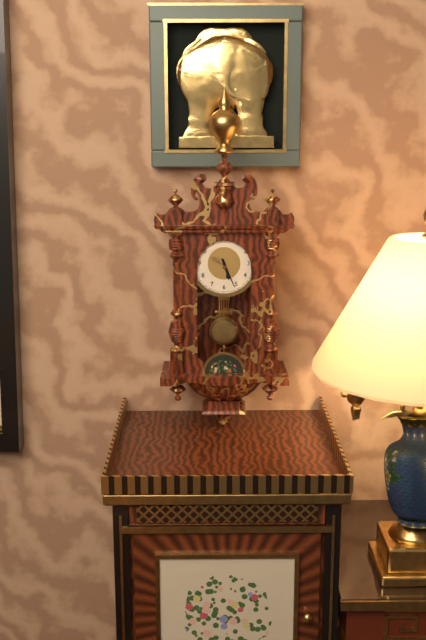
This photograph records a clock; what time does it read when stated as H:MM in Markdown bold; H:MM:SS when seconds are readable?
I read **5:26**
